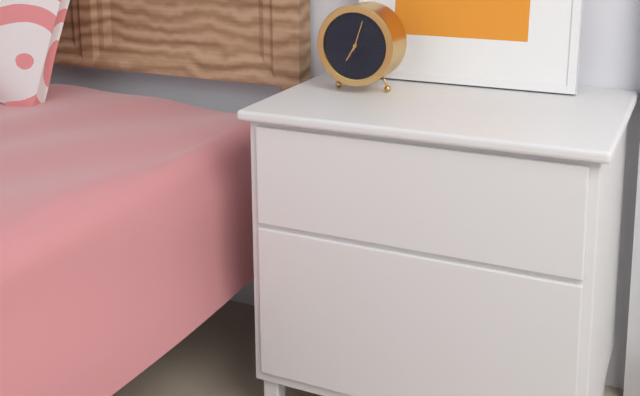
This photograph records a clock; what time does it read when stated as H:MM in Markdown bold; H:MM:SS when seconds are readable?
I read **7:03**
